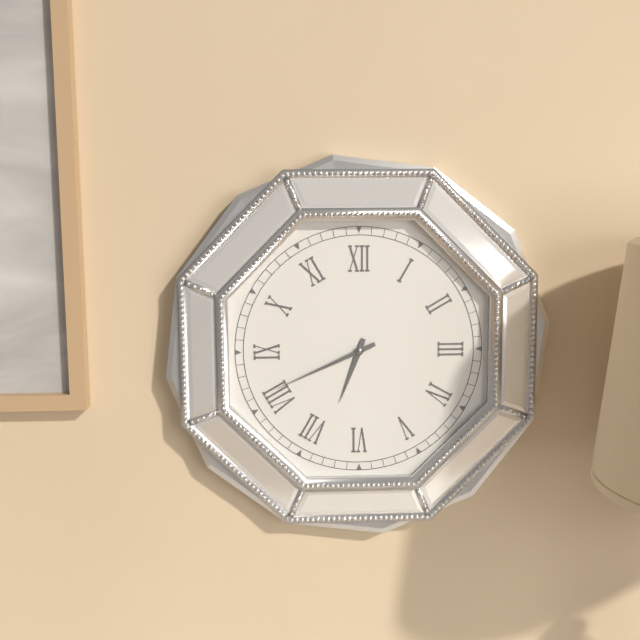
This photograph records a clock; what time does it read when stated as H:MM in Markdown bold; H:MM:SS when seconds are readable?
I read **6:41**
